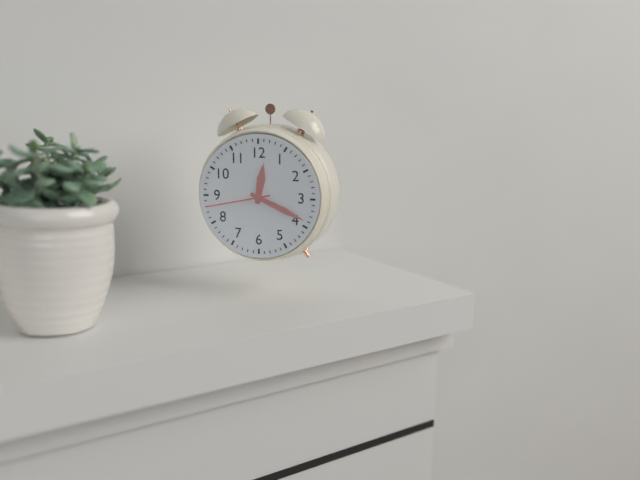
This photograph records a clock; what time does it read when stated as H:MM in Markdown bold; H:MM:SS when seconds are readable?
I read **12:19:43**
